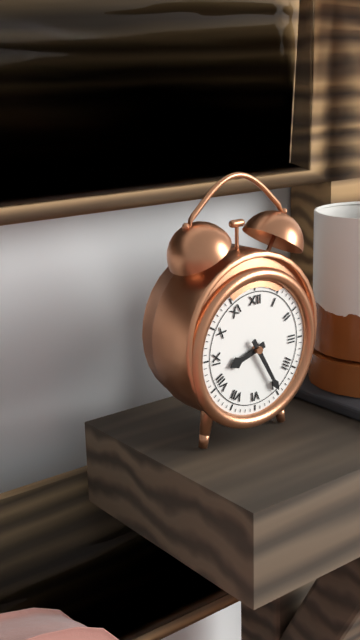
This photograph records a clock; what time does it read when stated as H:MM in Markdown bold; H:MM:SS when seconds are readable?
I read **8:25**
